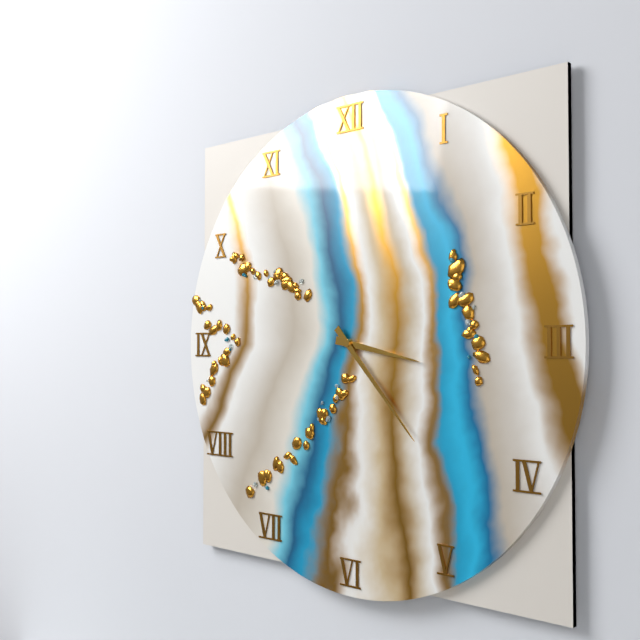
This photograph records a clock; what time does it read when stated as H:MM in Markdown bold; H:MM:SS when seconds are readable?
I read **3:23**
